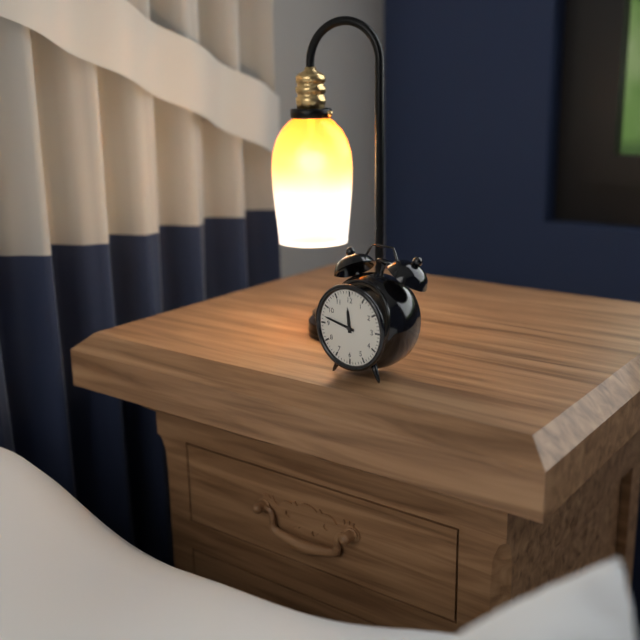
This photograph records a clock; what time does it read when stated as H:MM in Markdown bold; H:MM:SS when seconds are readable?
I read **11:47**
